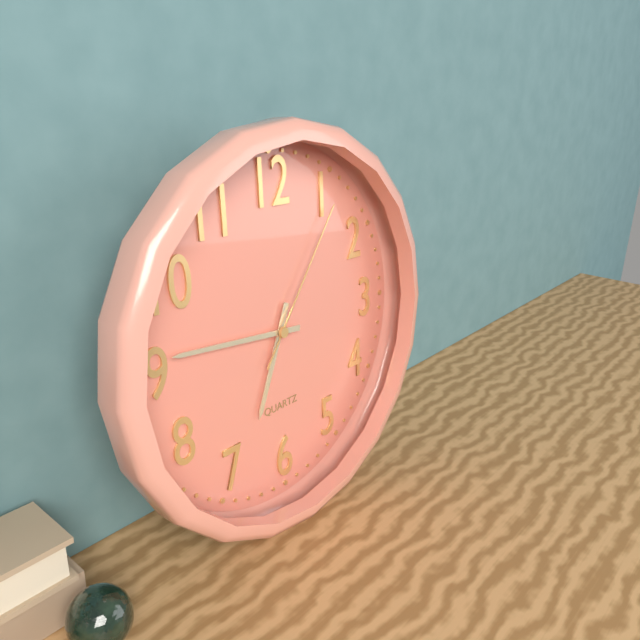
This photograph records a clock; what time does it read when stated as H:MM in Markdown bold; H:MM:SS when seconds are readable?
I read **6:46:06**
